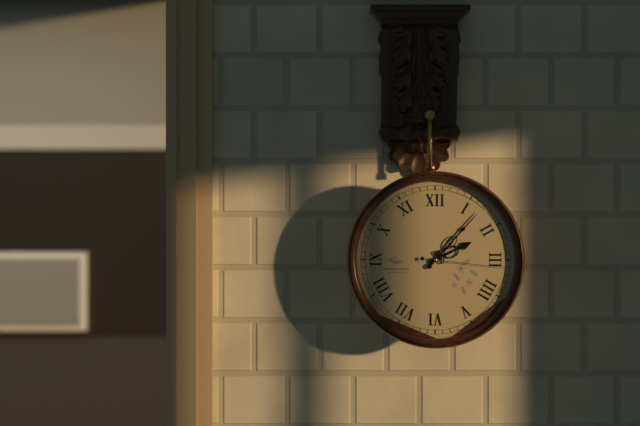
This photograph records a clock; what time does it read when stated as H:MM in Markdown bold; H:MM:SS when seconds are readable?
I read **2:07:16**
